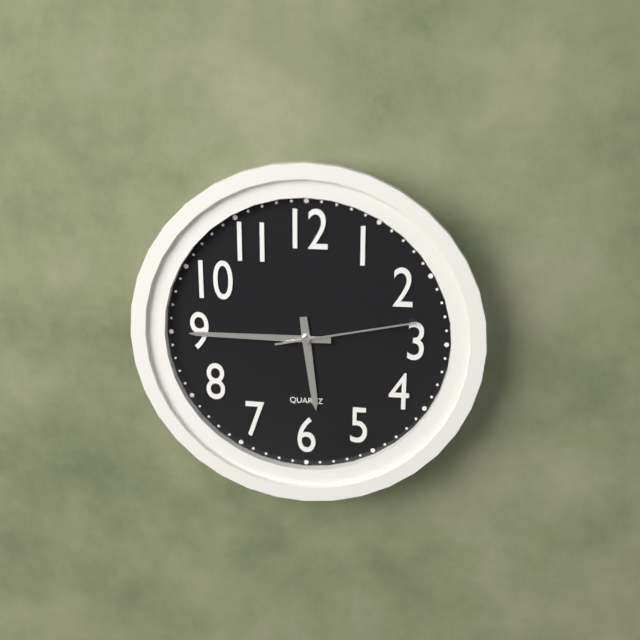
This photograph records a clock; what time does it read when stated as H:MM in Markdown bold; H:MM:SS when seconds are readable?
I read **5:45:13**
